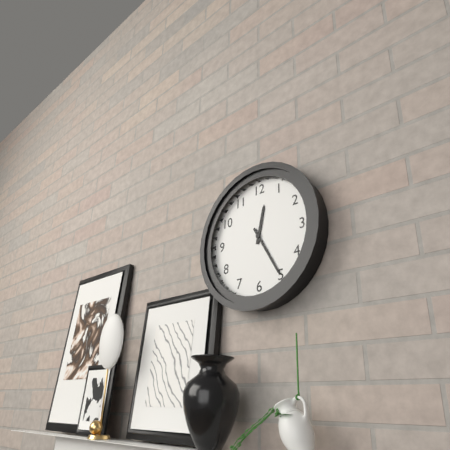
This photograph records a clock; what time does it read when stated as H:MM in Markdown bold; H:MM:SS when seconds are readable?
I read **12:25**
